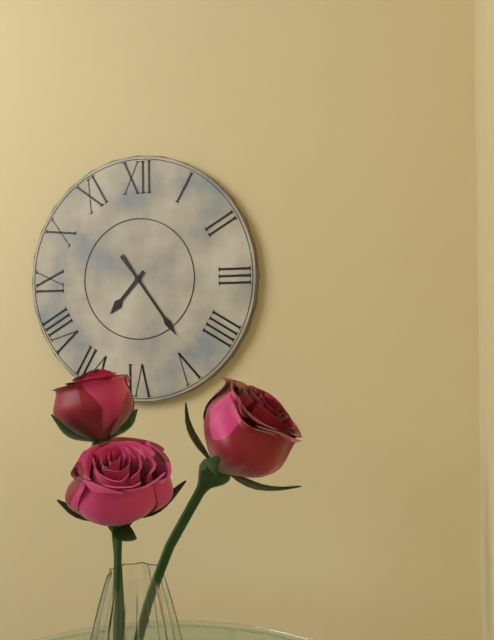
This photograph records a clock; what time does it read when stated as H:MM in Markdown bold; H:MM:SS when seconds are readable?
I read **7:24**
